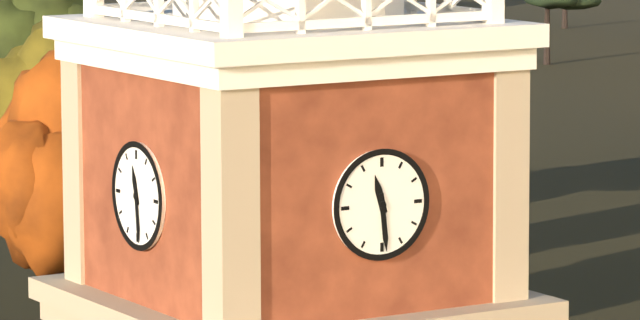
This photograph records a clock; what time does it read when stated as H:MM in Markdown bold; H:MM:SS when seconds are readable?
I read **11:29**
